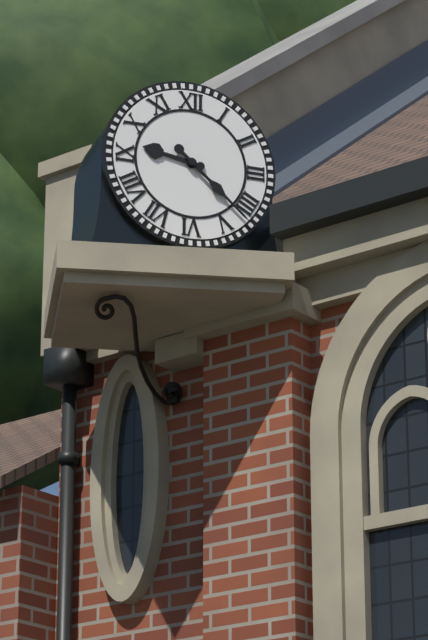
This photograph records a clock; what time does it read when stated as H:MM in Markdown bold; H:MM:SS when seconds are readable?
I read **9:22**
